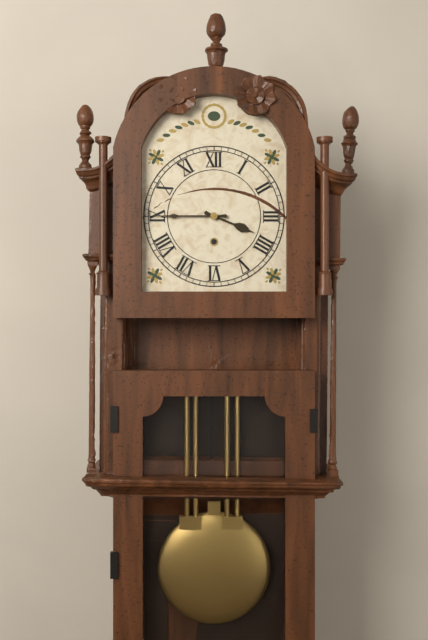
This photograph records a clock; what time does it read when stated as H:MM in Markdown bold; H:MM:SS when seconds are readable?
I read **3:45**
